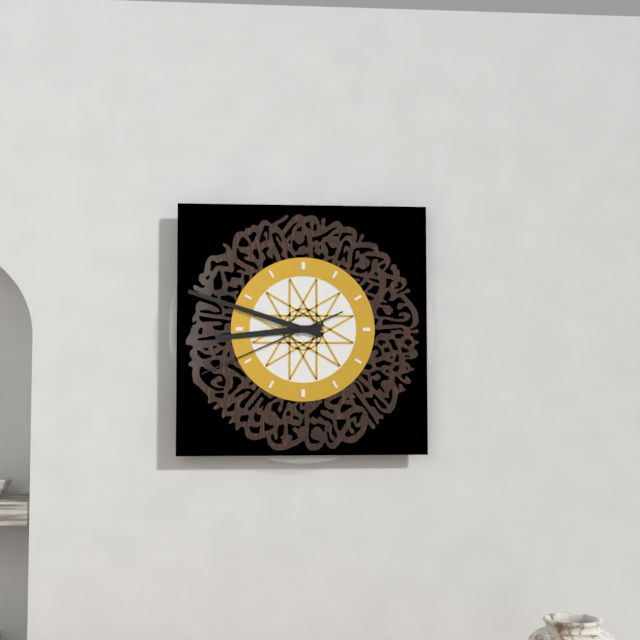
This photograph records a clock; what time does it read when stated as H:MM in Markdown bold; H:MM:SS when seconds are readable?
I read **8:48:41**
